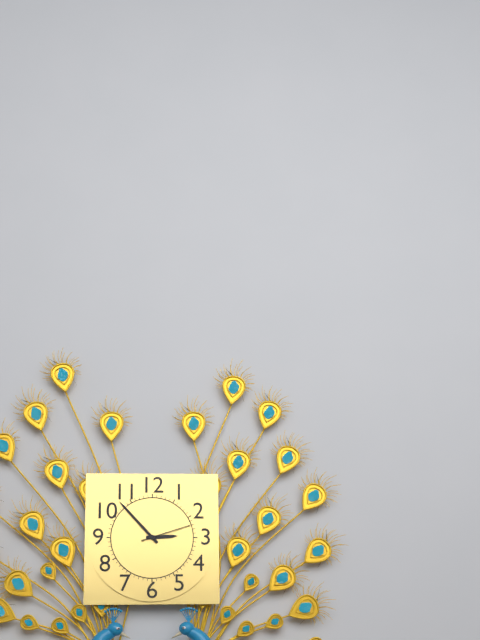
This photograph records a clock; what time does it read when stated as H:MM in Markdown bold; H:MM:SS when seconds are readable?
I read **2:53:12**
